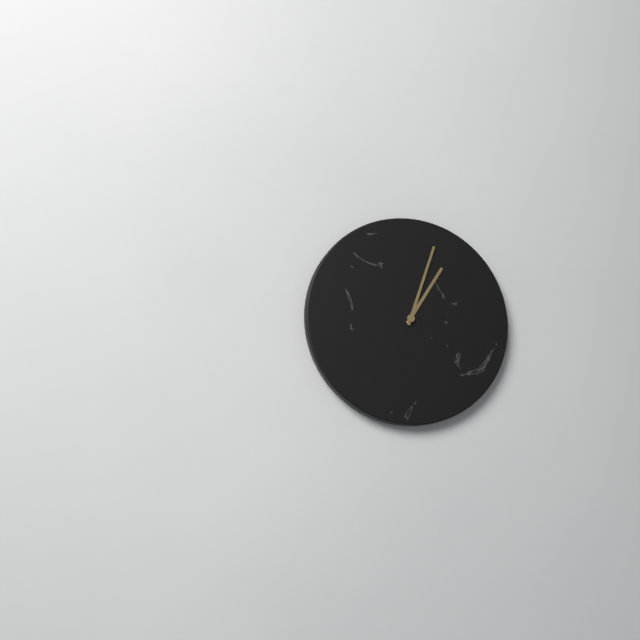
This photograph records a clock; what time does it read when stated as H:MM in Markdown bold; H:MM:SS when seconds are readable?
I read **1:03**
